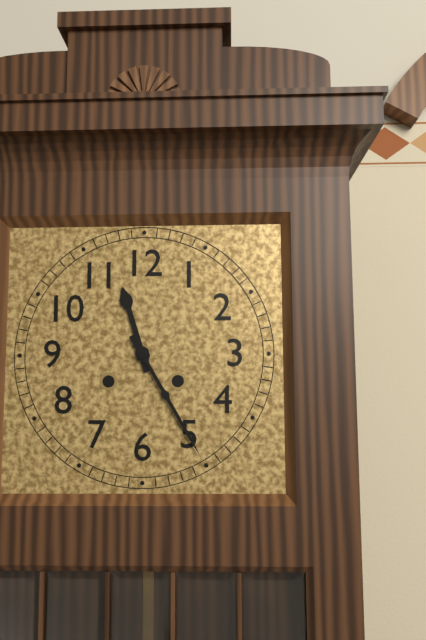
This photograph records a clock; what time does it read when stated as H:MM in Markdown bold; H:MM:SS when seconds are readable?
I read **11:25**
